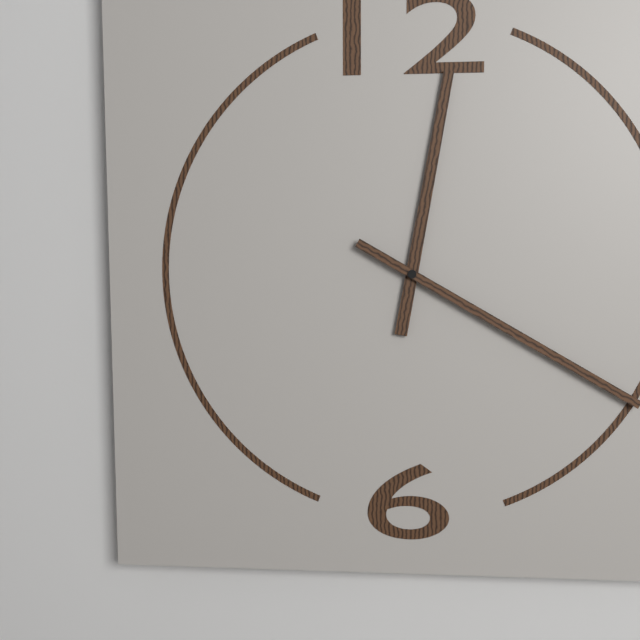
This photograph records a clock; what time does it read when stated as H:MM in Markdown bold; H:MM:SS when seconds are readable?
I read **12:20**
